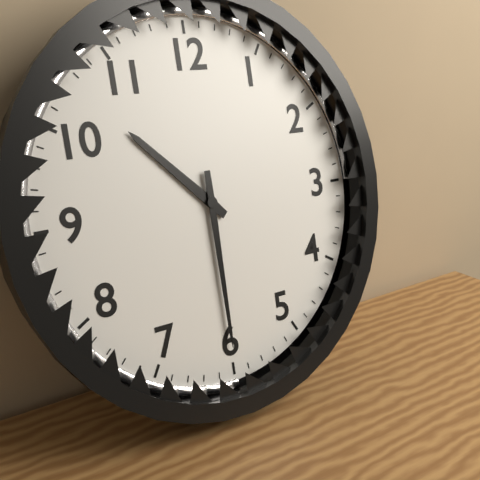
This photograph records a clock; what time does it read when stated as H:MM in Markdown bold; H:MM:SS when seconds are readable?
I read **10:30**
